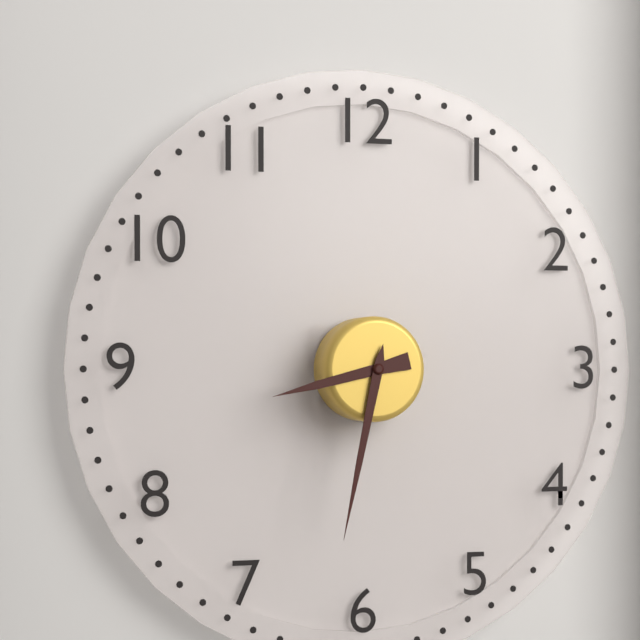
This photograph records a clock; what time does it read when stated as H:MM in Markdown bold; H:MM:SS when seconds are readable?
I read **8:32**
